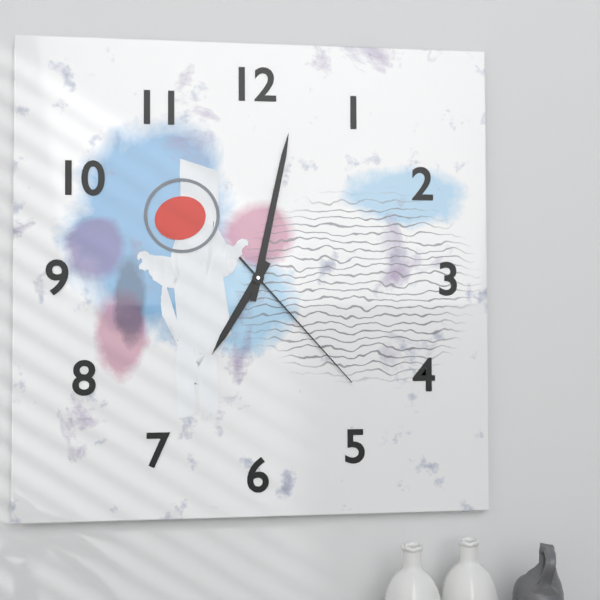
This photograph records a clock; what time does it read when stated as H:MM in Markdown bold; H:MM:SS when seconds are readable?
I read **7:02:23**
